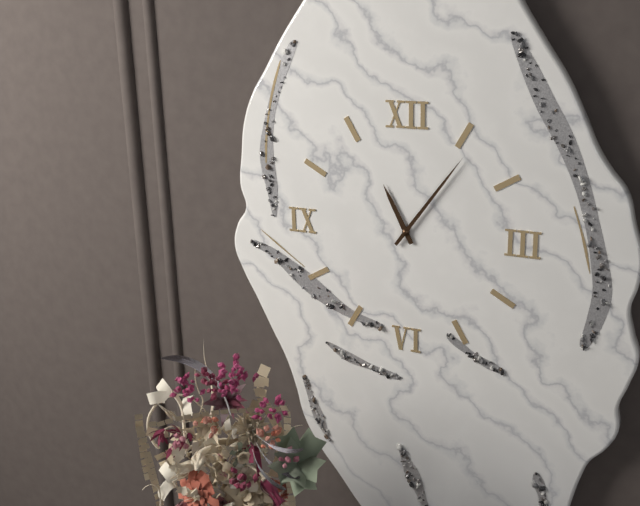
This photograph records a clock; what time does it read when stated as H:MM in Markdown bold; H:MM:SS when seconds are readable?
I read **11:06**
